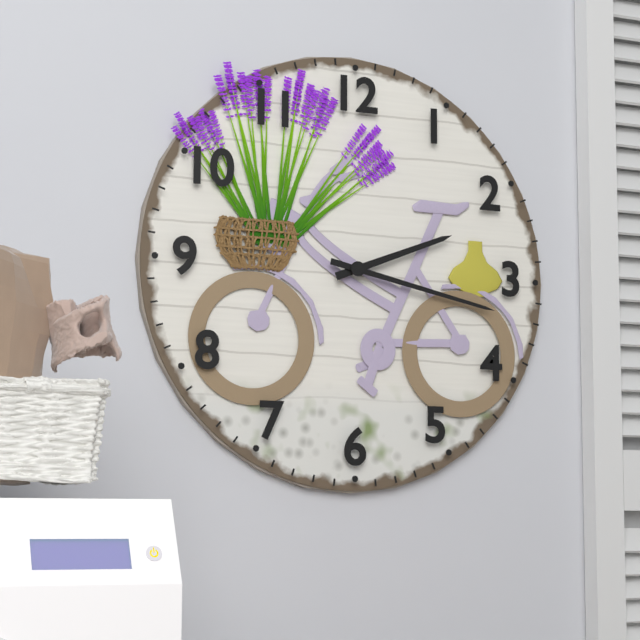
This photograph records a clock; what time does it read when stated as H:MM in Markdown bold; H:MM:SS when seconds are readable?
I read **2:17**
